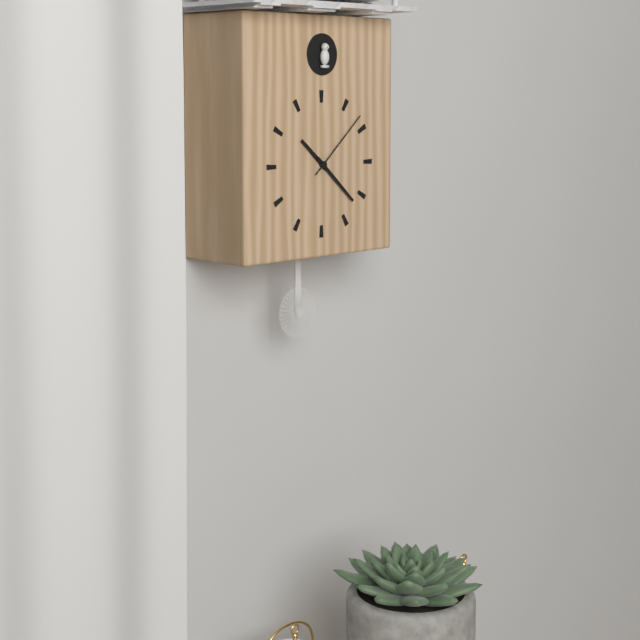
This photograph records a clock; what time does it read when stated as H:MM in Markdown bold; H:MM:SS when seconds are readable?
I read **10:22:08**
